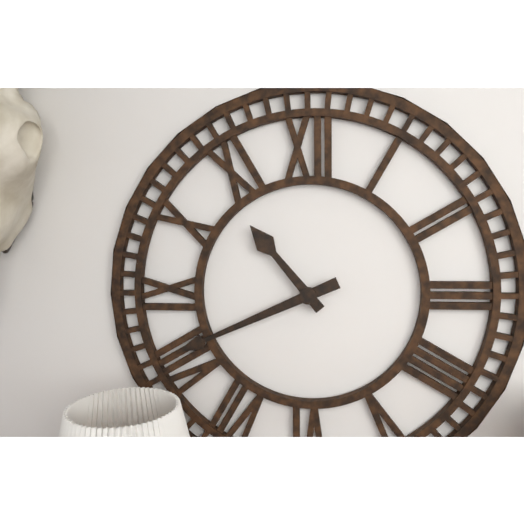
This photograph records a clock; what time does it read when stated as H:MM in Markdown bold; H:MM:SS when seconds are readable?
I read **10:41**
